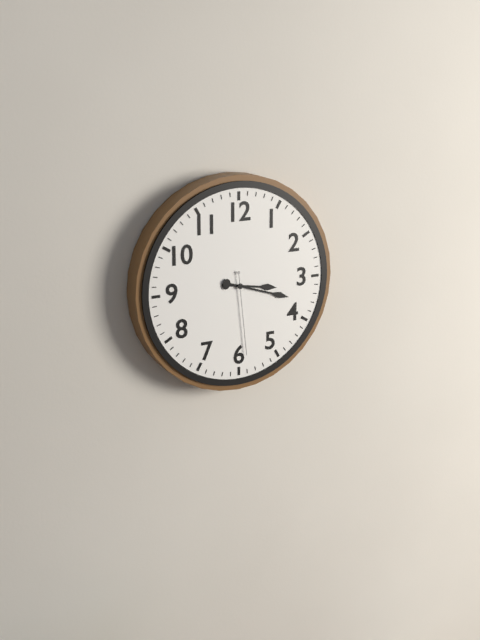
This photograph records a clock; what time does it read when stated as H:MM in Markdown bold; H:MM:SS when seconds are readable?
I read **3:18:29**
